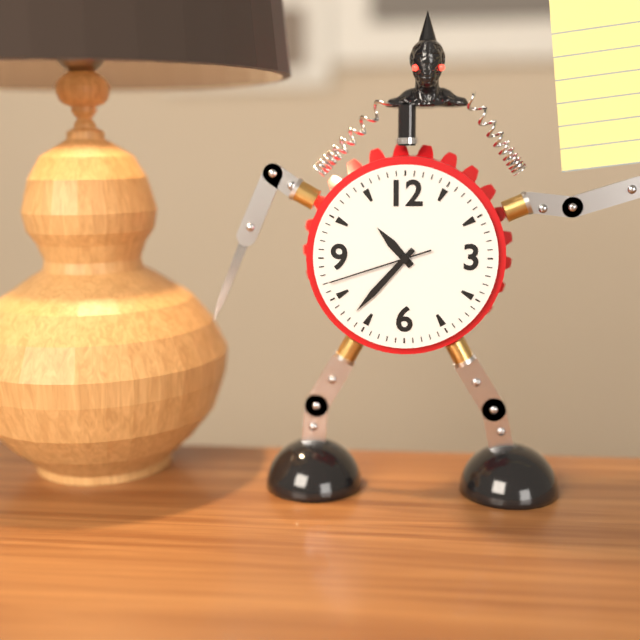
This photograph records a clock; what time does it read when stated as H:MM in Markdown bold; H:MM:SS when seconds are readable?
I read **10:37:42**
